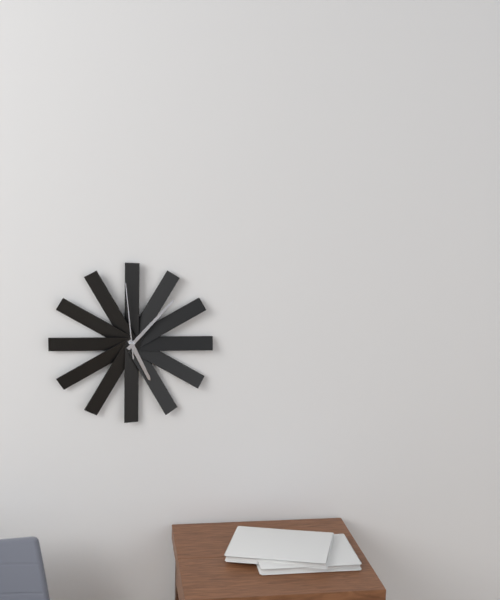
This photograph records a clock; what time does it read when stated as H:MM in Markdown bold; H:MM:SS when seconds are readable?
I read **5:07:59**
